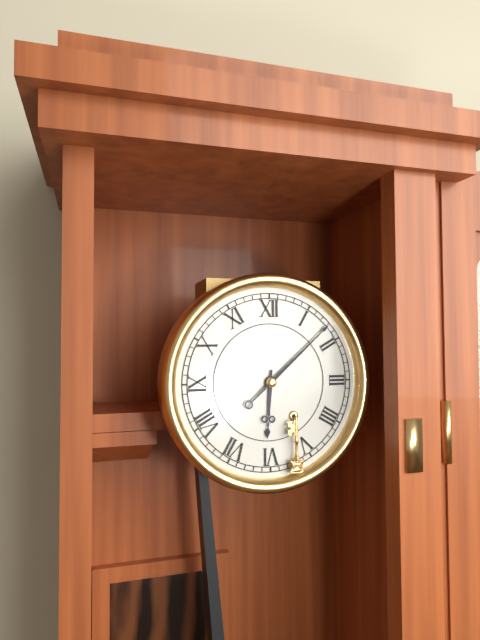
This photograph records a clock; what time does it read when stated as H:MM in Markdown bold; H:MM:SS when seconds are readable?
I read **6:08**
